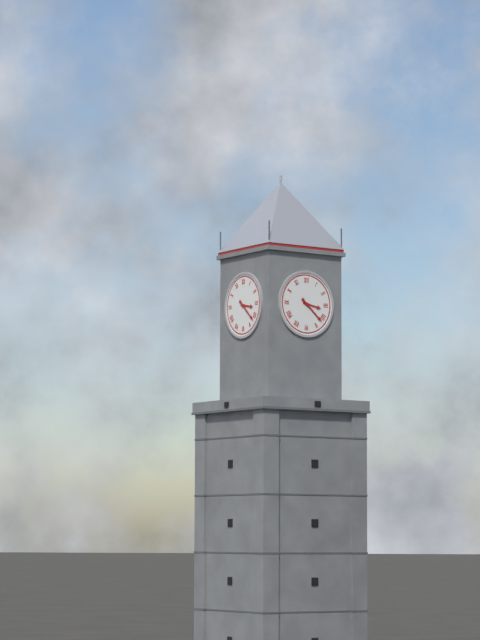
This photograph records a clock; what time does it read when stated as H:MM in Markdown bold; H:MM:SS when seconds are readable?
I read **3:22**
